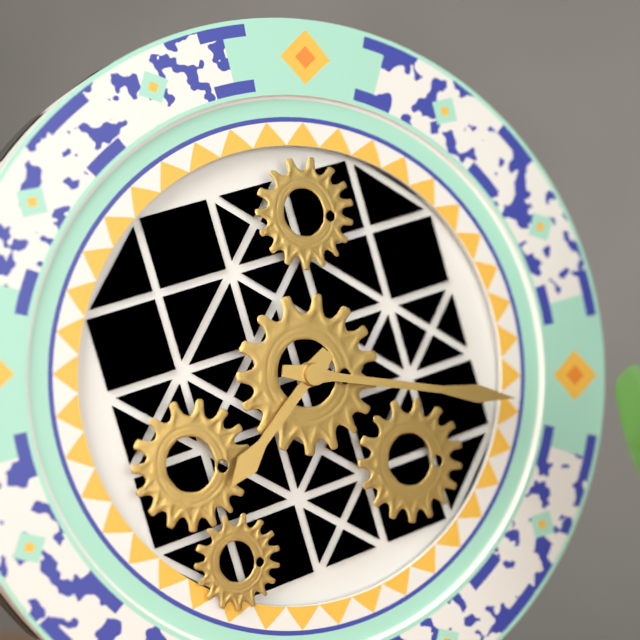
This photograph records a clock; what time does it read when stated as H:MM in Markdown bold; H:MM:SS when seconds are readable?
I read **7:16**
